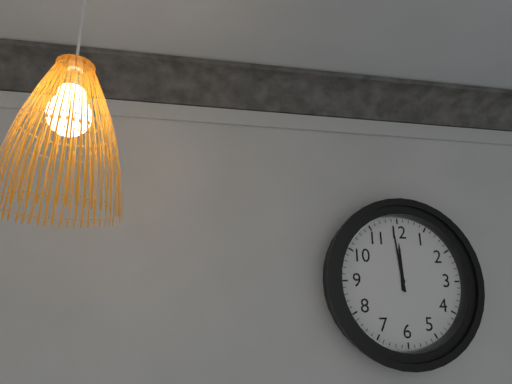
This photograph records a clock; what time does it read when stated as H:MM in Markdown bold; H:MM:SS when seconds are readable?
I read **11:59**
